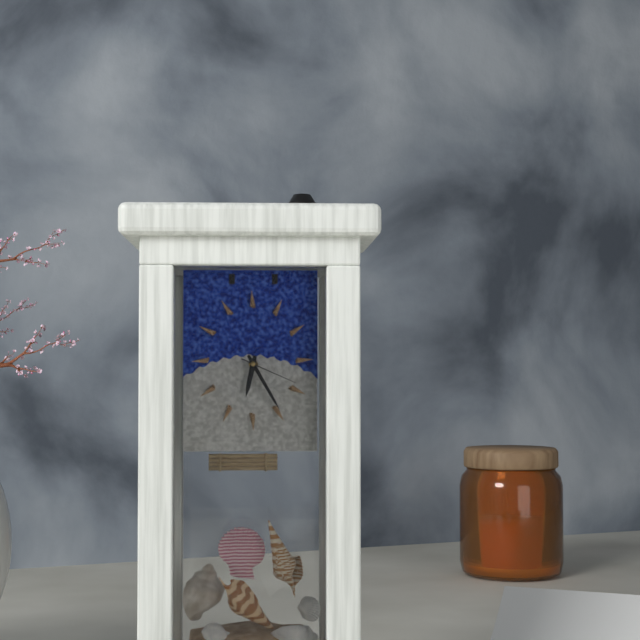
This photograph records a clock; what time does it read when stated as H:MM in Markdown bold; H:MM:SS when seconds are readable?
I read **6:25:19**
